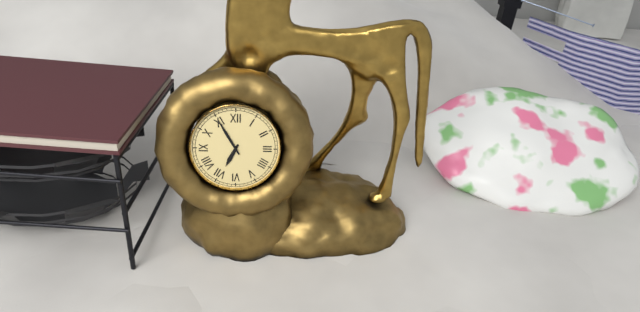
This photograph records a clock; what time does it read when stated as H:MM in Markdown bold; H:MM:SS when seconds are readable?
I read **6:55**
